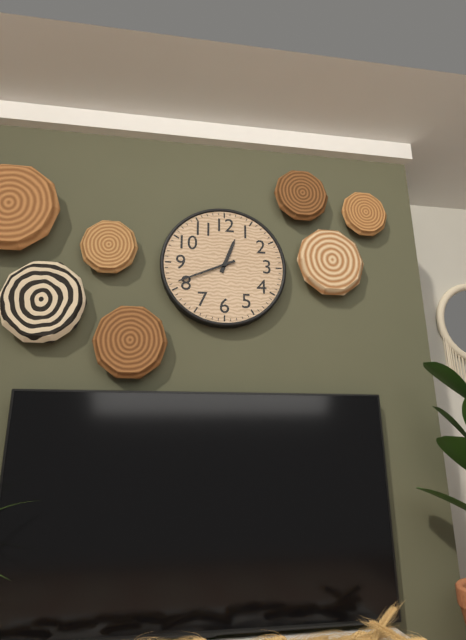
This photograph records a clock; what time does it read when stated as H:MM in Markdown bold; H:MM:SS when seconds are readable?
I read **12:41**
